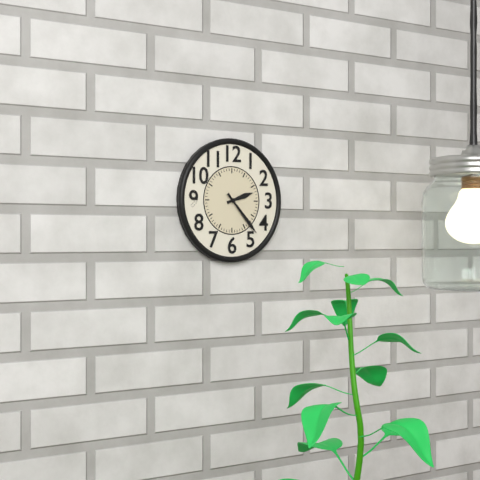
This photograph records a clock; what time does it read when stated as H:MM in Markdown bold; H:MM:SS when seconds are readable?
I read **2:23**
